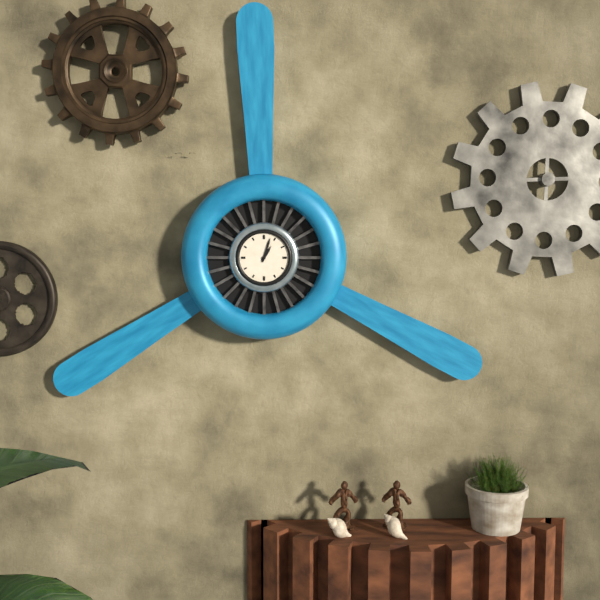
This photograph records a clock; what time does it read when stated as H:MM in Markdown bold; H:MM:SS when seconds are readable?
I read **1:03**
